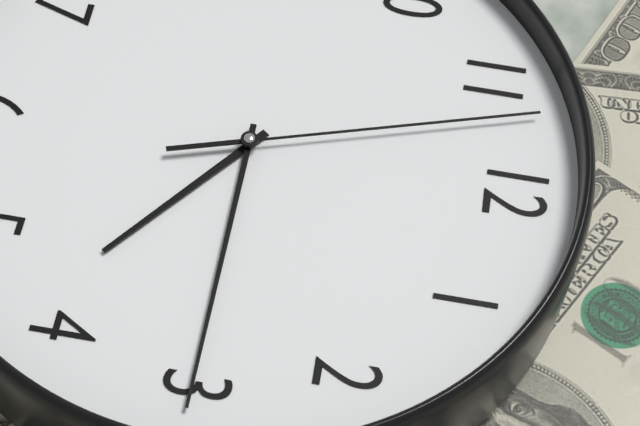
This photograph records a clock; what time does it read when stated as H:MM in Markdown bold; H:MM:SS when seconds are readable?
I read **4:15:57**
